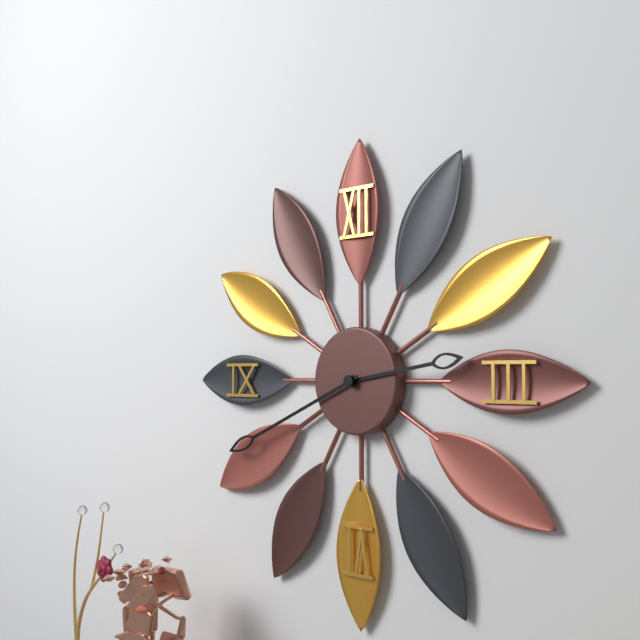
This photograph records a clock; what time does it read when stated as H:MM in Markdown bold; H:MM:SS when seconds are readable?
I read **2:41**
